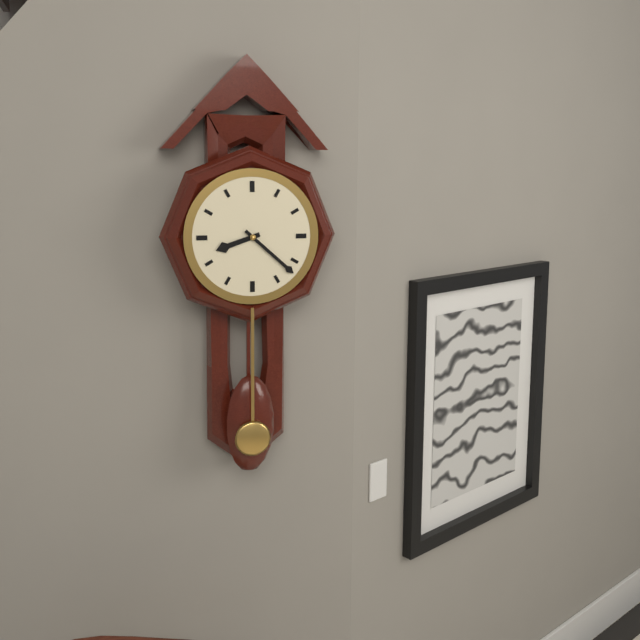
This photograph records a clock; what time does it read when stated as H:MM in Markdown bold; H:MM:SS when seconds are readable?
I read **8:22**
